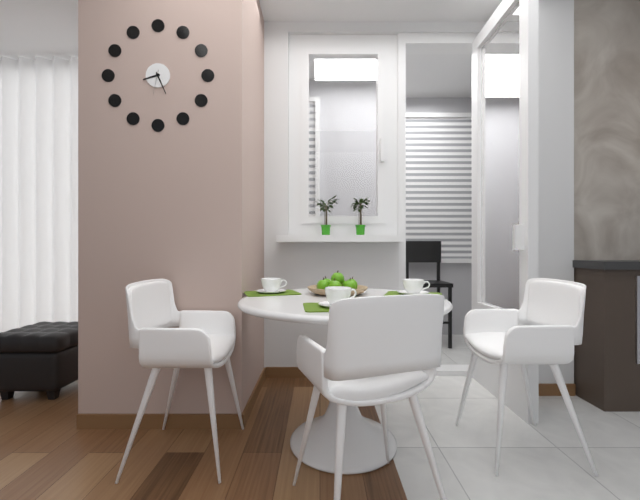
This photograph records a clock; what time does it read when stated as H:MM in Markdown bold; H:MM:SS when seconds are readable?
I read **8:26**
